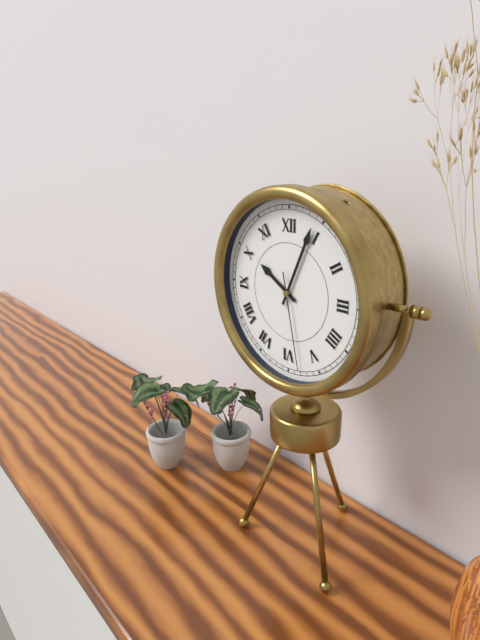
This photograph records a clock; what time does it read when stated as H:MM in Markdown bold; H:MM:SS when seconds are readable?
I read **10:04:28**
